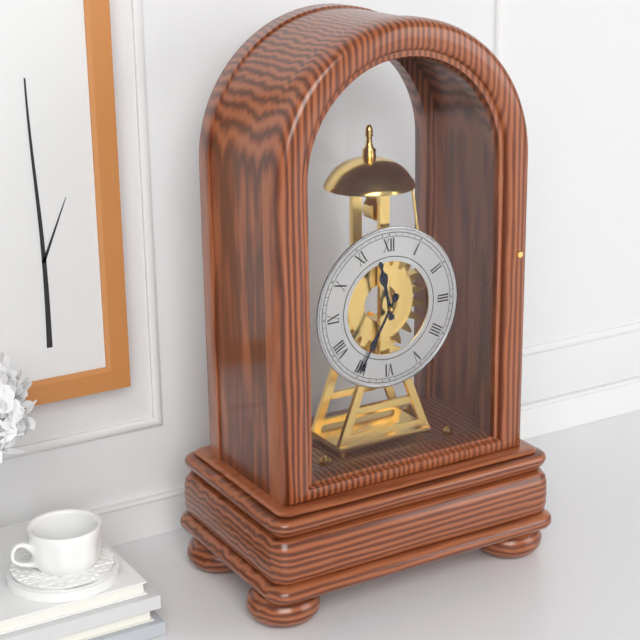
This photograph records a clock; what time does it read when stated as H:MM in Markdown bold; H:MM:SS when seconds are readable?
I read **11:35**
